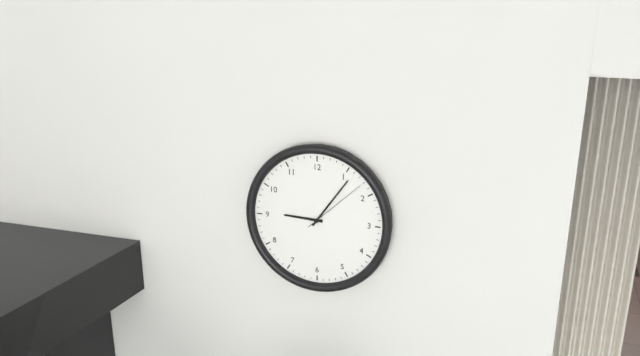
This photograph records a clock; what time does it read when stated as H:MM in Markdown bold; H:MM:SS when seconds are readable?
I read **9:06:08**
